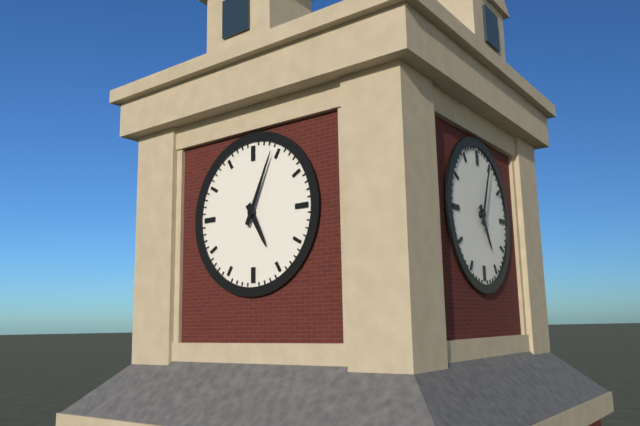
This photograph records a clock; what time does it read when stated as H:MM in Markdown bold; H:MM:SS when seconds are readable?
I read **5:04**
